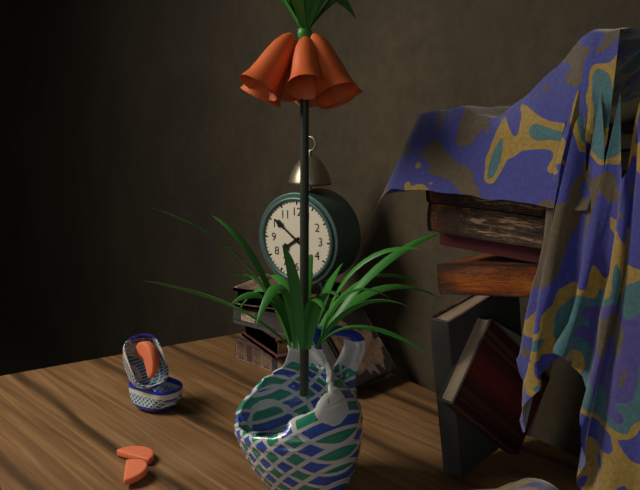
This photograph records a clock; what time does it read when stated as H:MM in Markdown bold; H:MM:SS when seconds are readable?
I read **7:51**
